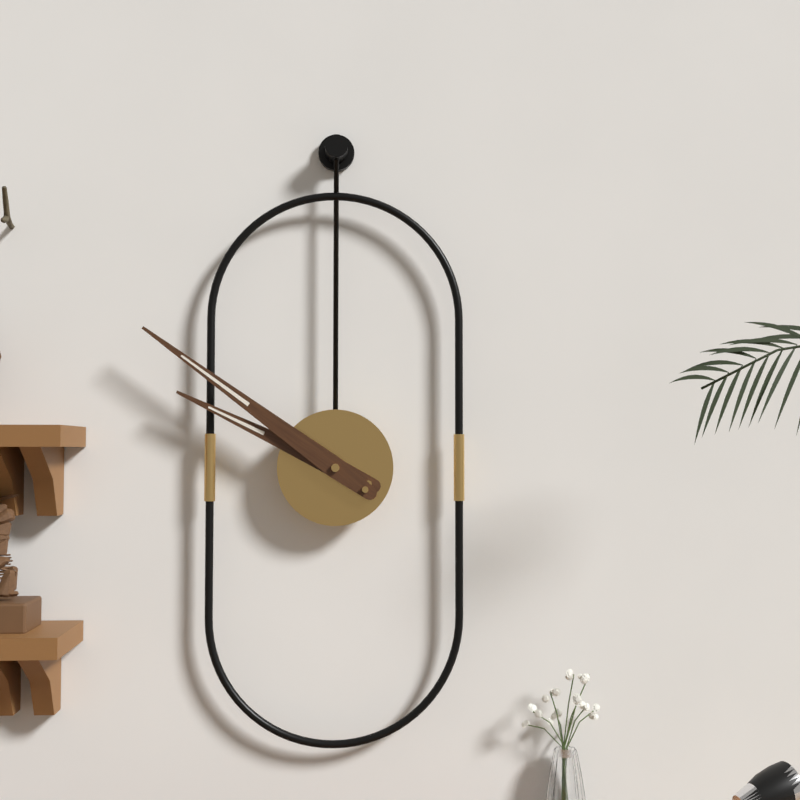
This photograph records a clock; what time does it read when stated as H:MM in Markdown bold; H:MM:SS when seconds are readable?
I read **9:51**
